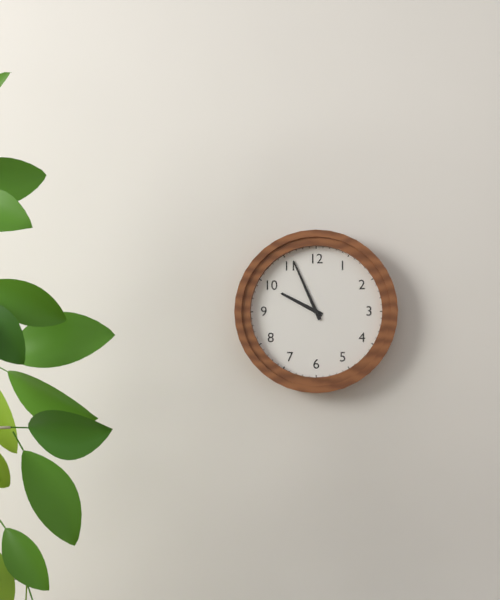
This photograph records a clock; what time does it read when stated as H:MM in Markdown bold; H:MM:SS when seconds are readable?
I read **9:56**
